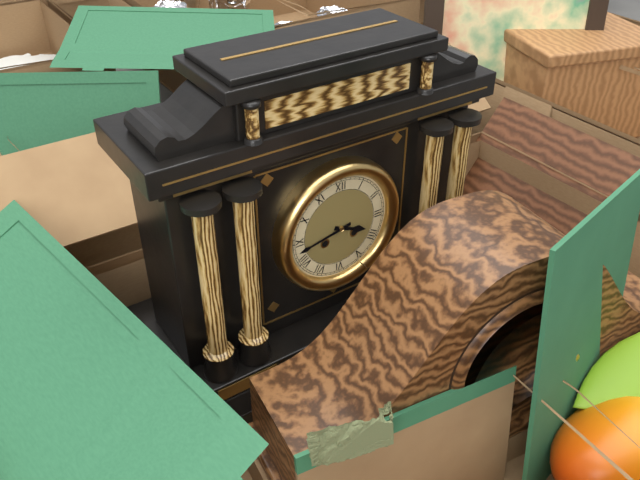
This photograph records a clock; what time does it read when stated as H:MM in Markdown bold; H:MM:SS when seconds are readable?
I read **3:43**
